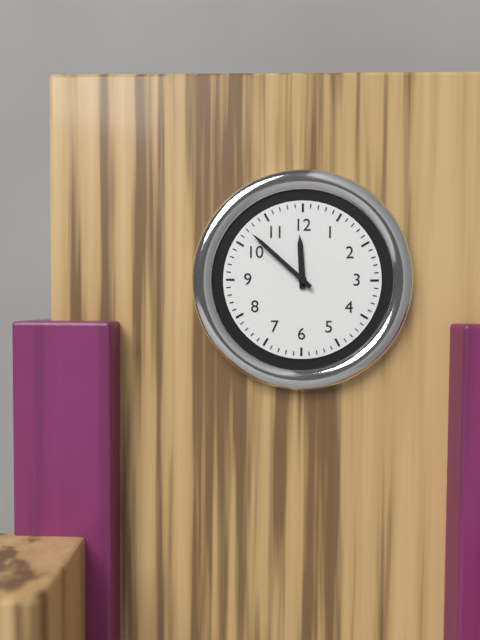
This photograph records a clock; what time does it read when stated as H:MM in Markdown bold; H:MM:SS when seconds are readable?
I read **11:52**
